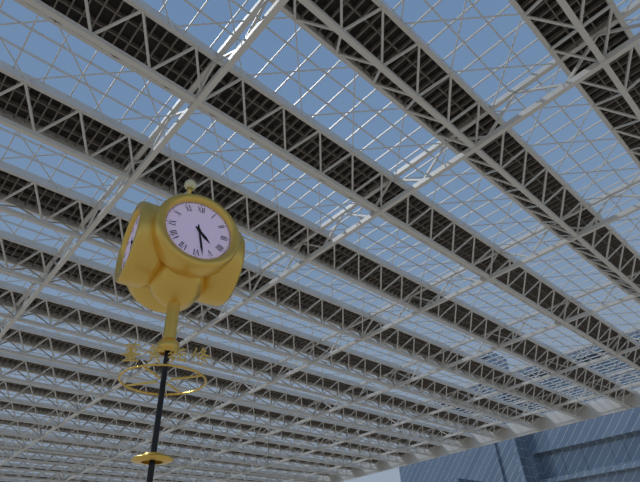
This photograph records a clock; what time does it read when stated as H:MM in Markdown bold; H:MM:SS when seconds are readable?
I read **4:28**
